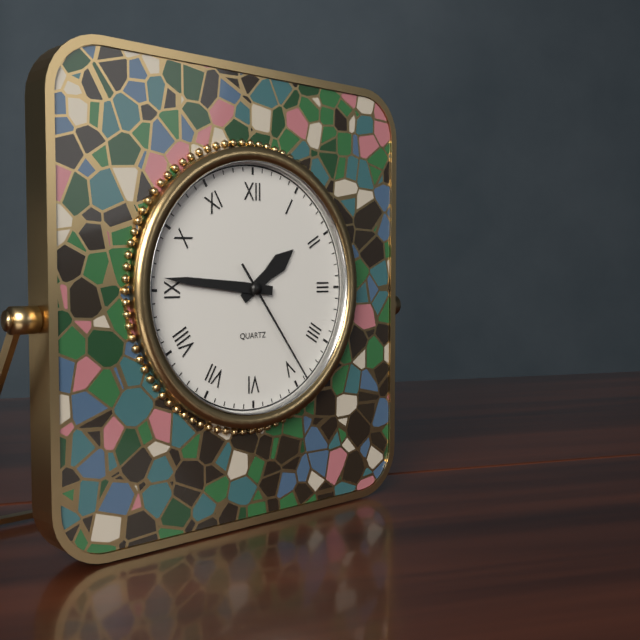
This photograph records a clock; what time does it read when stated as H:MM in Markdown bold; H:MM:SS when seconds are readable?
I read **1:46:24**
